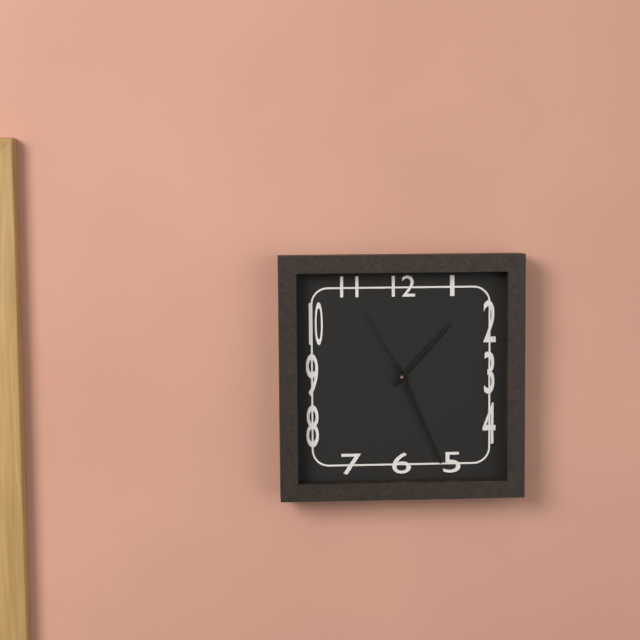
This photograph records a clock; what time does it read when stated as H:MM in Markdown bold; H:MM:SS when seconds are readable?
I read **1:26:55**
